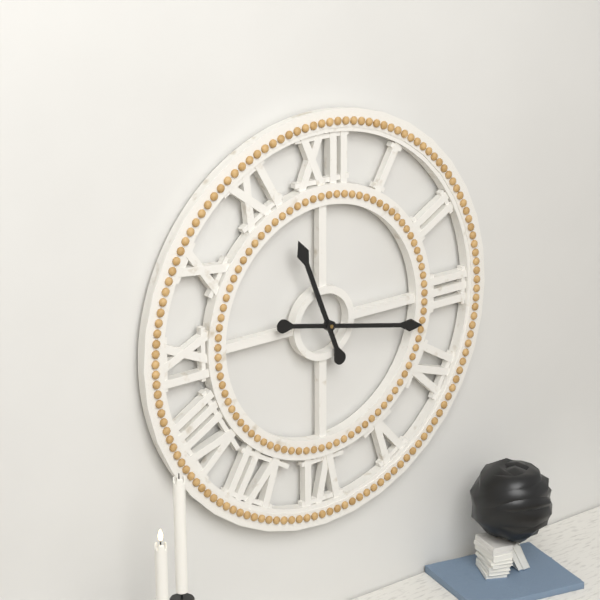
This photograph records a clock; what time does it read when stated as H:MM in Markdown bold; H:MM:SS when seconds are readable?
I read **11:17**
